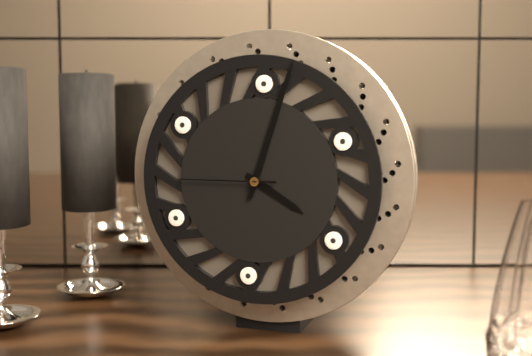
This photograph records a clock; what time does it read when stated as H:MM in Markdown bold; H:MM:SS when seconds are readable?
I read **4:03:45**
